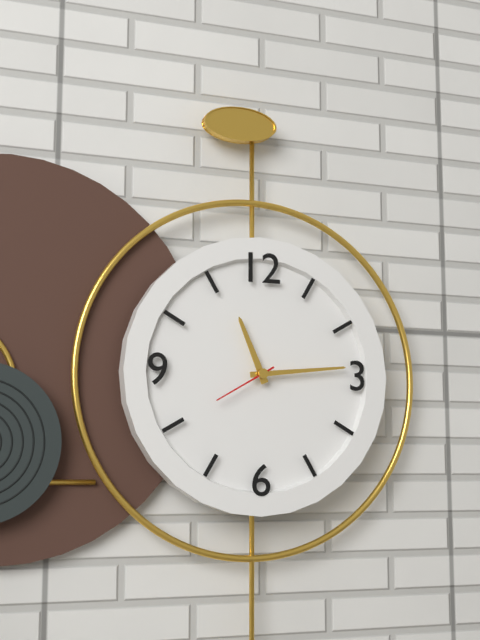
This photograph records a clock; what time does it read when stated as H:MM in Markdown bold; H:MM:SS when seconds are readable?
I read **11:14:40**
